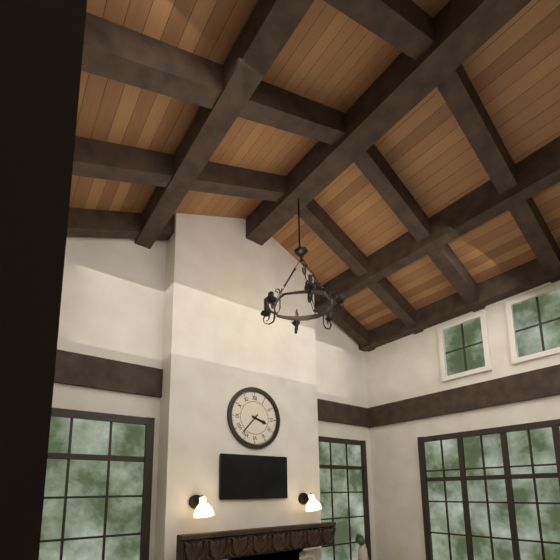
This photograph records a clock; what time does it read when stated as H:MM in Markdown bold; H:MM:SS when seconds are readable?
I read **3:37**
